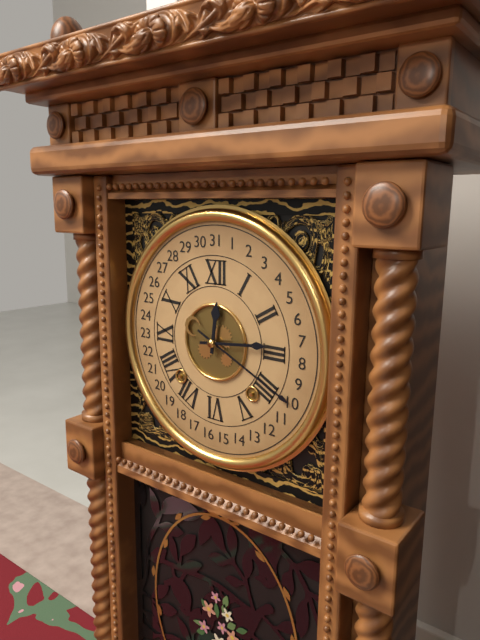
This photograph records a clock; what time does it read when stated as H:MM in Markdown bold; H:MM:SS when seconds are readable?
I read **12:14**
